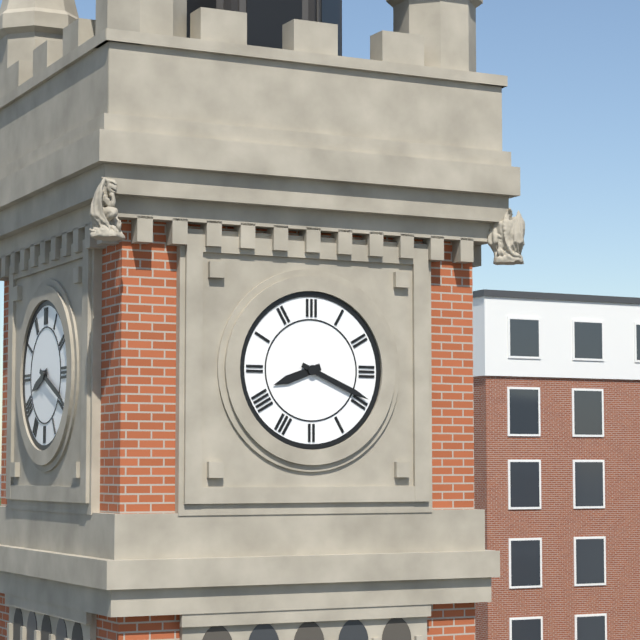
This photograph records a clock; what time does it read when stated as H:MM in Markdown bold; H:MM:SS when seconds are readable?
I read **8:19**
